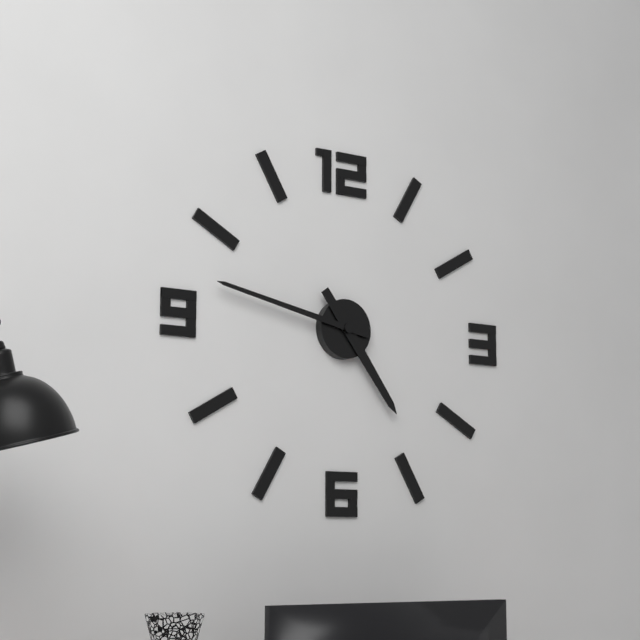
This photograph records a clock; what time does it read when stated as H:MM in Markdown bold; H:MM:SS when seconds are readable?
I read **4:47**
